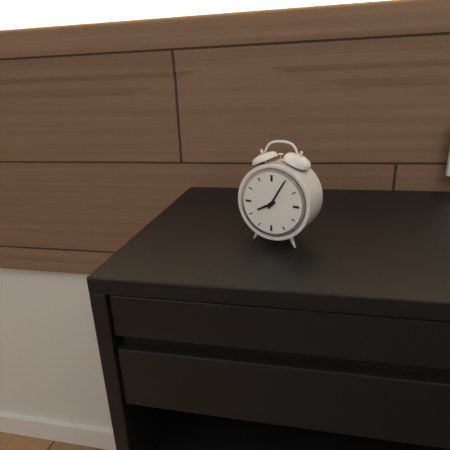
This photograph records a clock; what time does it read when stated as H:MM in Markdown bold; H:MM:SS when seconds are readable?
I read **8:05**
